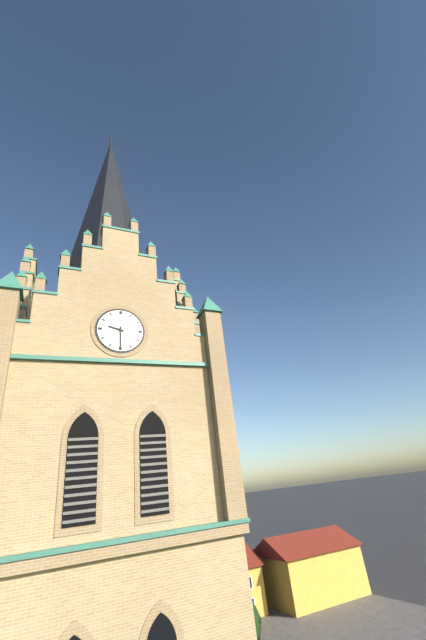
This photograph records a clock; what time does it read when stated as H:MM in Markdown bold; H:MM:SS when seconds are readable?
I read **9:30**
